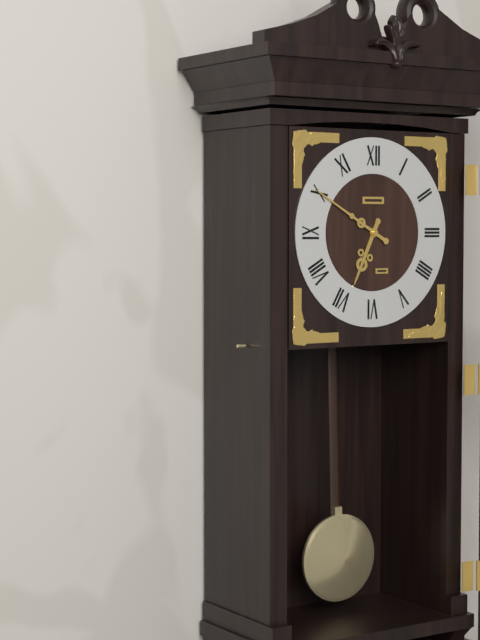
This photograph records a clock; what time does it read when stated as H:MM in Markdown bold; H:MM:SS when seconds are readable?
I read **6:50**
